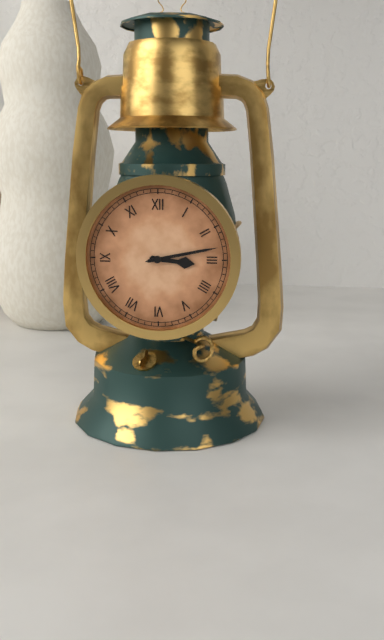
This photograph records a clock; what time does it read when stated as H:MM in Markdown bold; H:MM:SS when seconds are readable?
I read **3:13**
